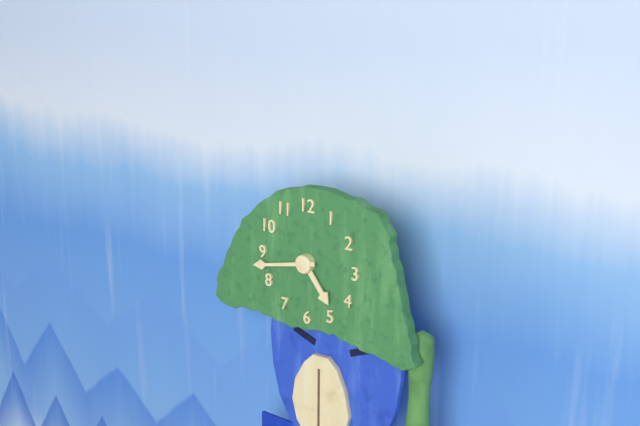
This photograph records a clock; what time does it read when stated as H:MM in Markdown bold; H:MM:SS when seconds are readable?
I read **4:43**
